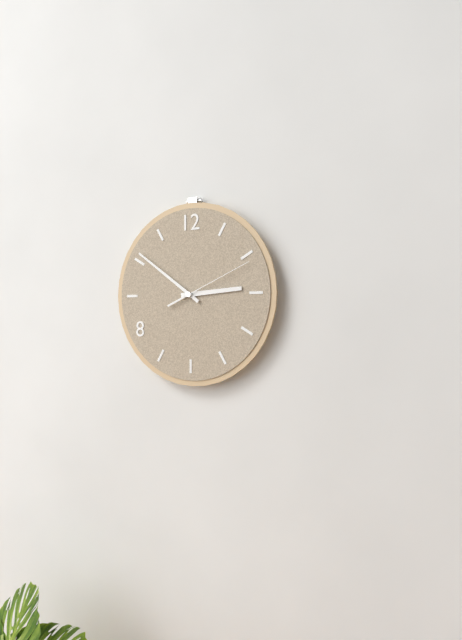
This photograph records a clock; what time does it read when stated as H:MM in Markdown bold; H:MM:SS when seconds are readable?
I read **2:51:11**
